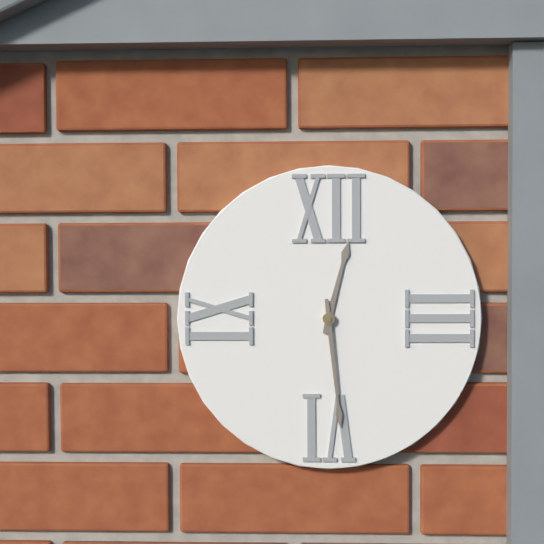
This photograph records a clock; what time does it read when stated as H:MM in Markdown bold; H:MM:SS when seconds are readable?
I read **12:29**
